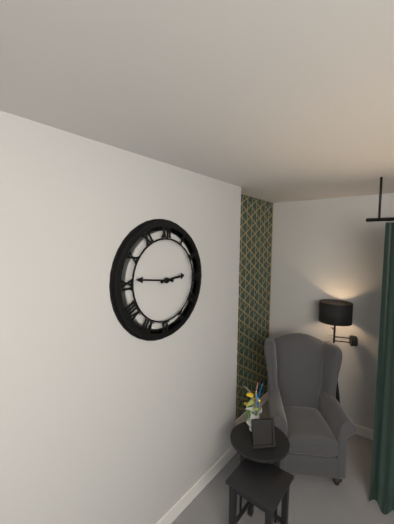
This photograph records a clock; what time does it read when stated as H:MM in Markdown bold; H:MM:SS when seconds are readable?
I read **2:46**
